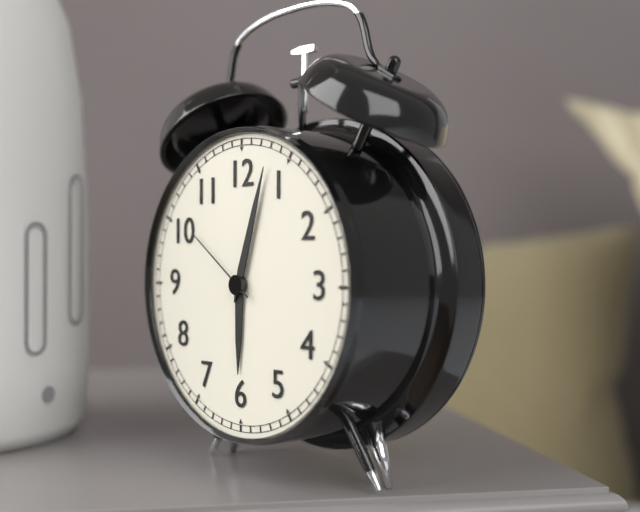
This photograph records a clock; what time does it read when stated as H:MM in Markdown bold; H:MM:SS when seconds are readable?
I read **6:03:51**
